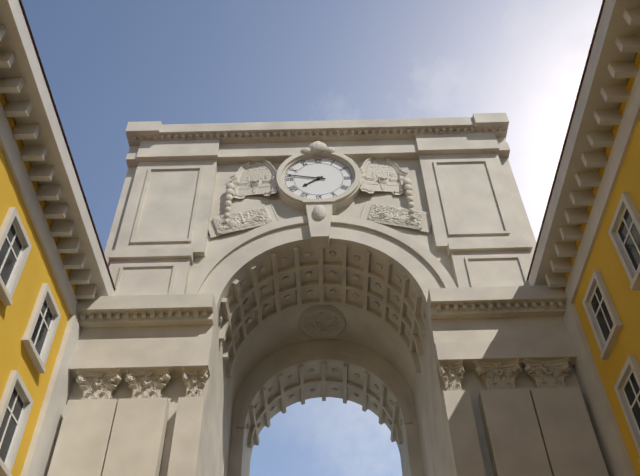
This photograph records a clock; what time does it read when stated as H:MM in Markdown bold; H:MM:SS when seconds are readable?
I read **7:47**
